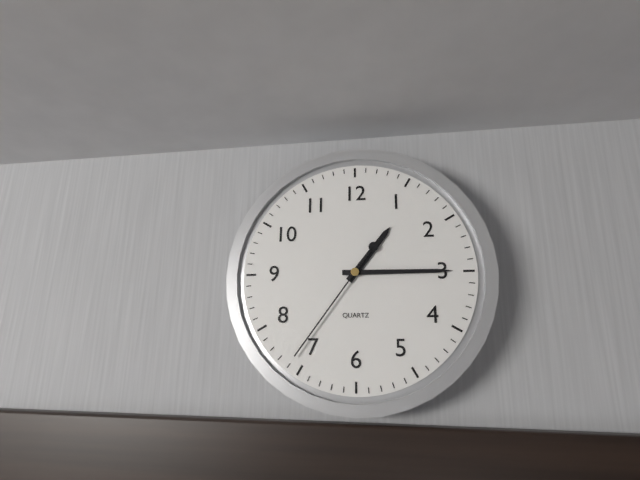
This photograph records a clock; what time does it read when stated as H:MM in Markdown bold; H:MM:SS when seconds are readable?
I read **1:15:36**
